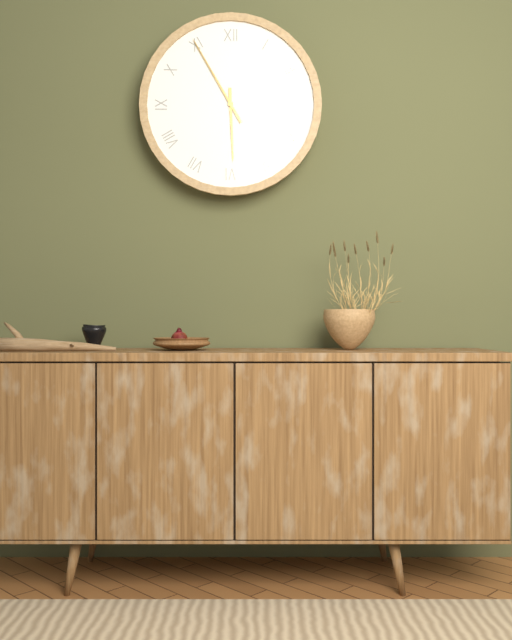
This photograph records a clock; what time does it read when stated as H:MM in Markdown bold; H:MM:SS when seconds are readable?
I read **5:55**
